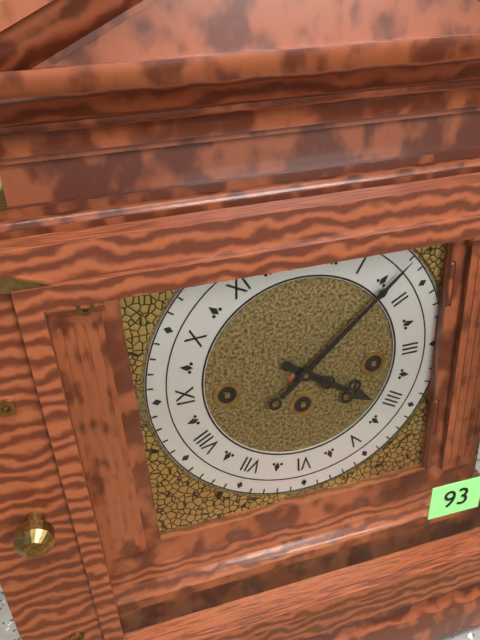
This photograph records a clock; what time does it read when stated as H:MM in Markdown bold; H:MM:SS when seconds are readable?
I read **4:08**
